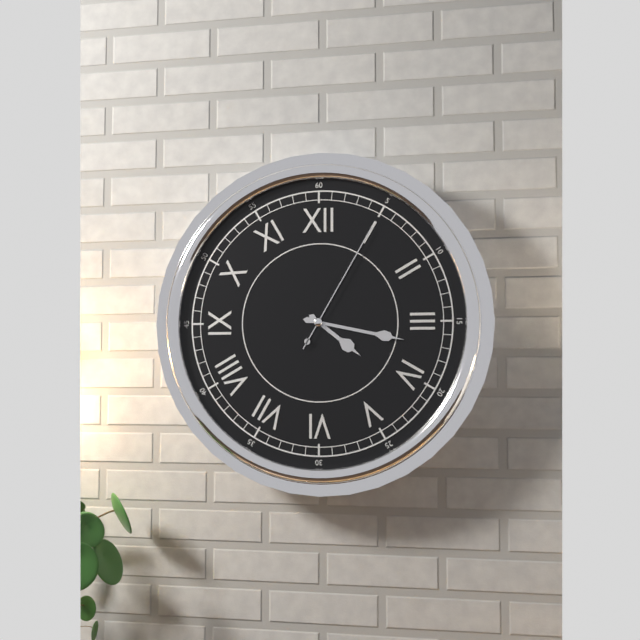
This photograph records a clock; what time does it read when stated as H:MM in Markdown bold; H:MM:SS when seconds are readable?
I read **4:17:05**
